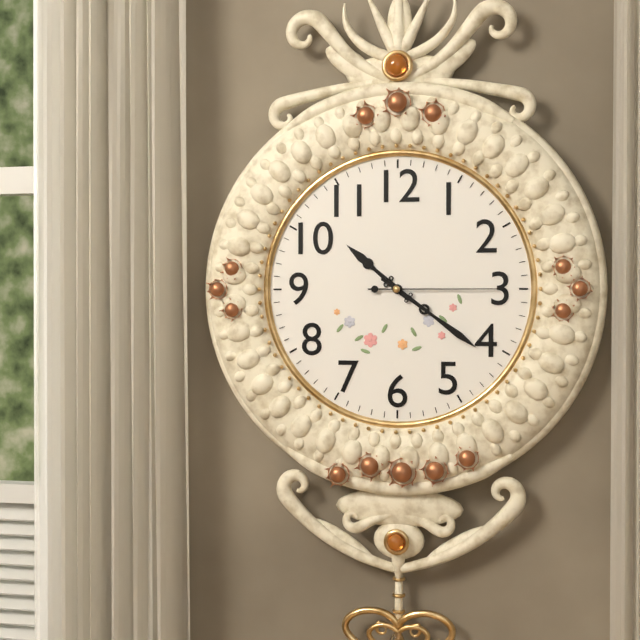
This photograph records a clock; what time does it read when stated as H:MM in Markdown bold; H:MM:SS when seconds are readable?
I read **10:21:15**
